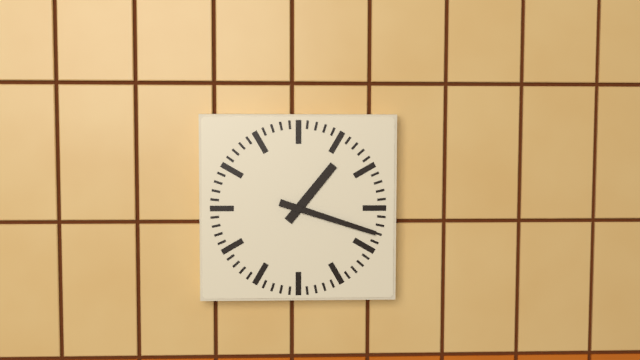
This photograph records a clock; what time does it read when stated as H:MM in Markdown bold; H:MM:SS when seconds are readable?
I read **1:18**
